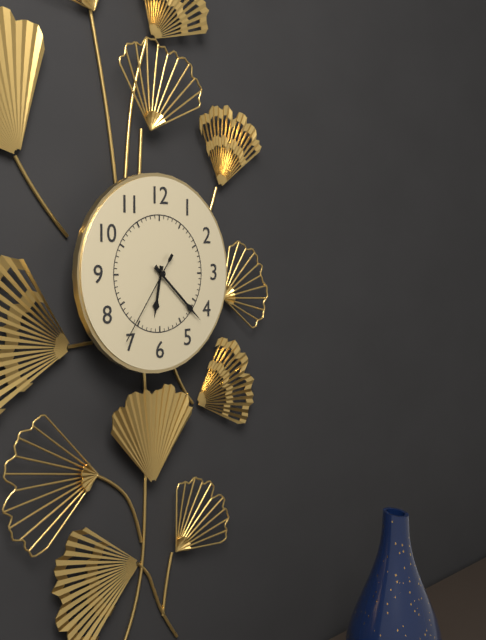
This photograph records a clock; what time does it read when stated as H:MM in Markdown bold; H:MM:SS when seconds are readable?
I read **6:22:36**
